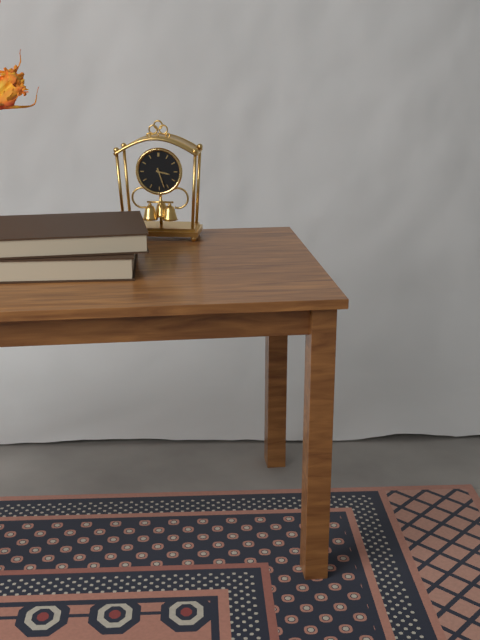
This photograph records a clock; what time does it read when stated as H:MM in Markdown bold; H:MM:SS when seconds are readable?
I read **3:27**
